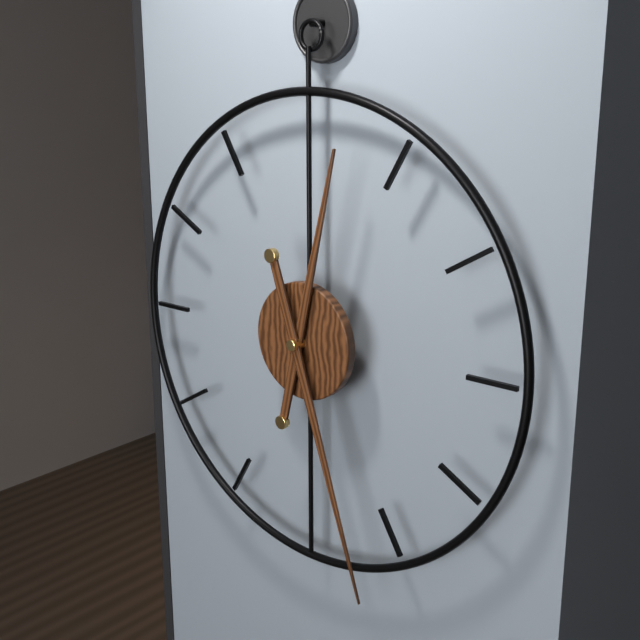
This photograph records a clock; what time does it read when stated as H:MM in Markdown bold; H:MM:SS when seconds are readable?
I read **12:27**
